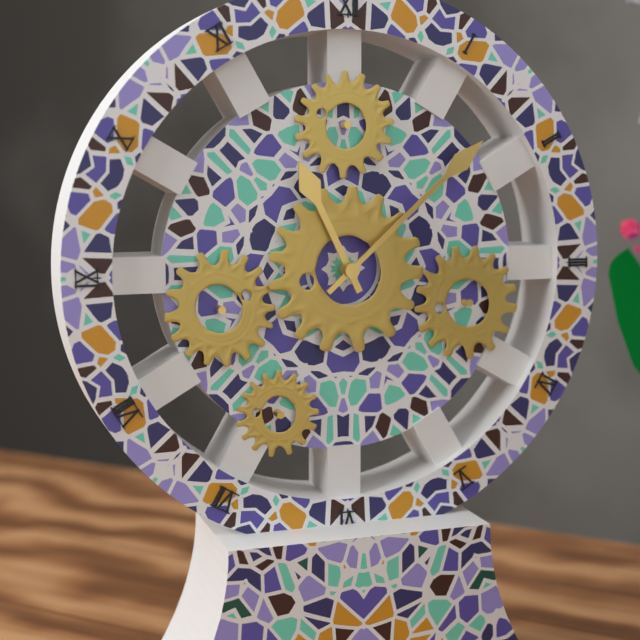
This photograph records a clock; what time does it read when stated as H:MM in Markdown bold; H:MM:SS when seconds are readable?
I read **11:08**
